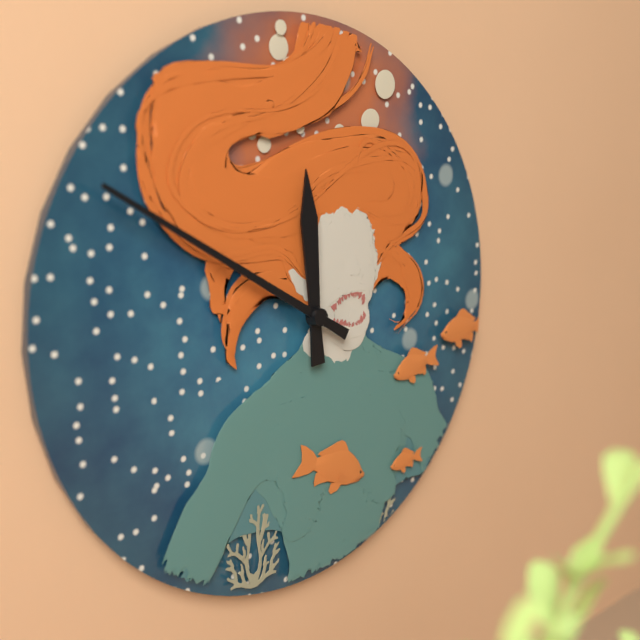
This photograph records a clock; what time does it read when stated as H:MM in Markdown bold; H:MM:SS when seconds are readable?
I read **11:50**
